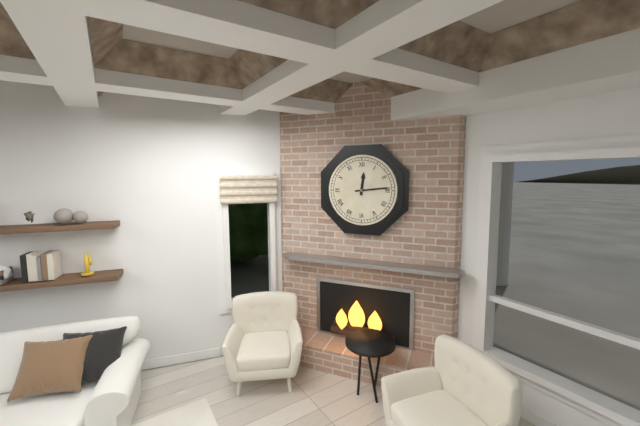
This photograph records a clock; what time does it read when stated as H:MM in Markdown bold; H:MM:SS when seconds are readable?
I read **12:14**
